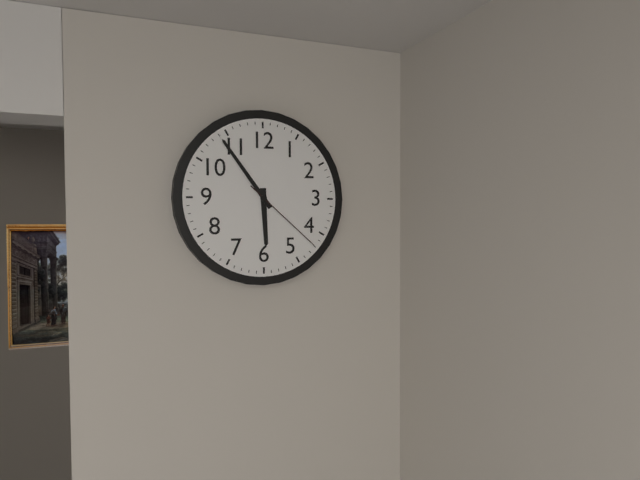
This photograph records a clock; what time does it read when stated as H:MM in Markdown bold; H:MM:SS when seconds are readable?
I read **5:54:22**
